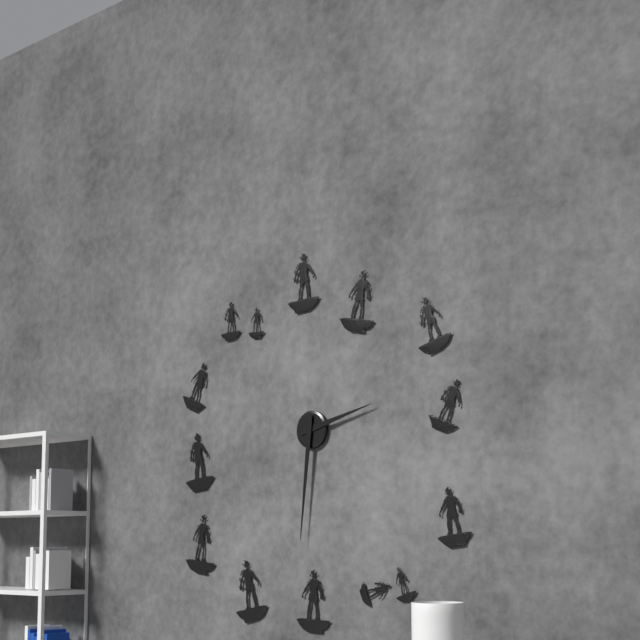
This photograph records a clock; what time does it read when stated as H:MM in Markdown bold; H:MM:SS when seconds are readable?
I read **2:31**
